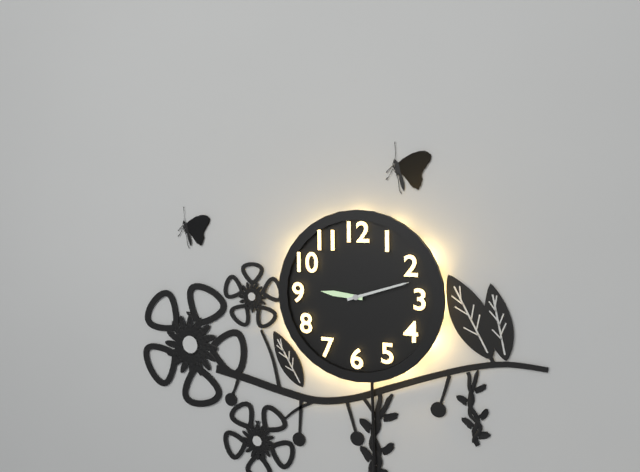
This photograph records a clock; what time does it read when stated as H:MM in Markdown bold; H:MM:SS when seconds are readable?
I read **9:12**
